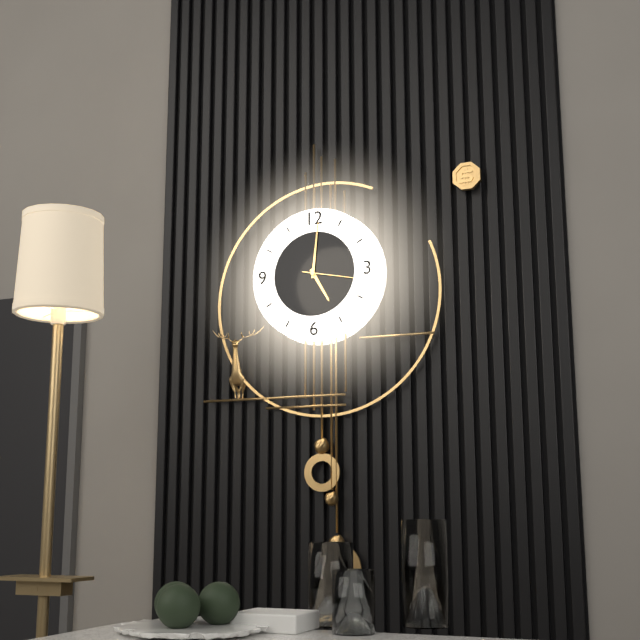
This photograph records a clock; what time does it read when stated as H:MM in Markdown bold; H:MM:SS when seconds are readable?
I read **5:01:17**
